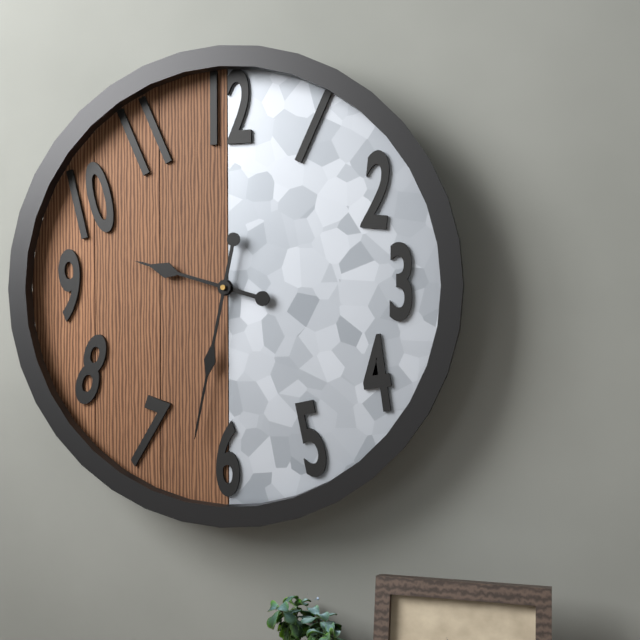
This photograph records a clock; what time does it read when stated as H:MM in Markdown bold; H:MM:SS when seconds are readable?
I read **9:32**
